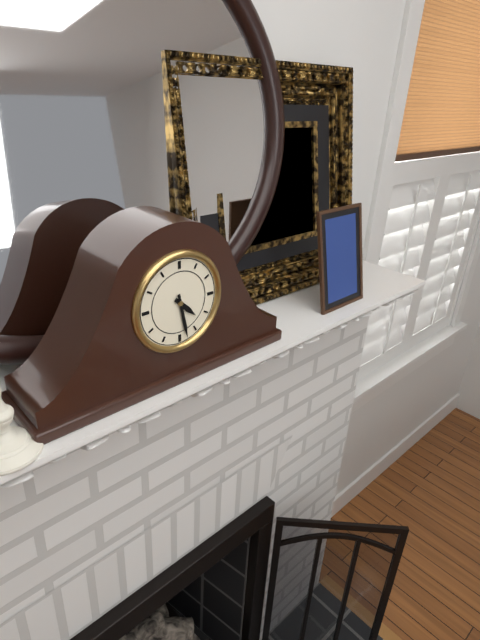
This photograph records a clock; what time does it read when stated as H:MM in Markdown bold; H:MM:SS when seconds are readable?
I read **4:28**
